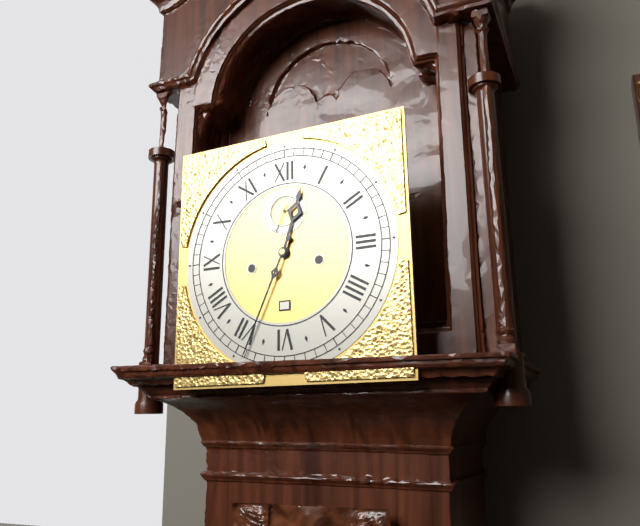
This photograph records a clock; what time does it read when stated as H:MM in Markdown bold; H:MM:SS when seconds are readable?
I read **12:34**
